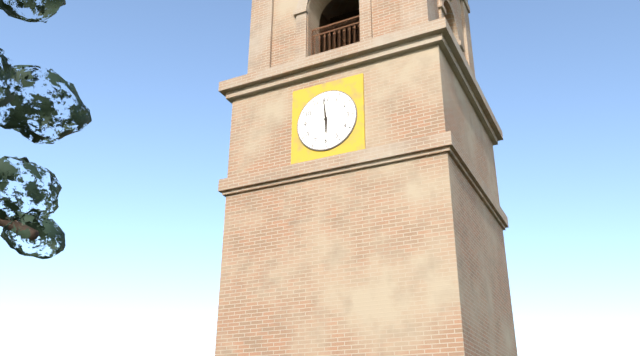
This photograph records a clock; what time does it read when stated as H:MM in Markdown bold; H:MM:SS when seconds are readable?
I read **5:59**
